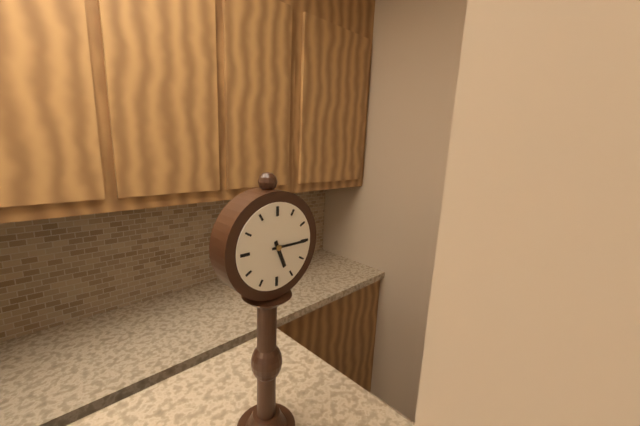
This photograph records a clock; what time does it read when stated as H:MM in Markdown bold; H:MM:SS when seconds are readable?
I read **5:15**
